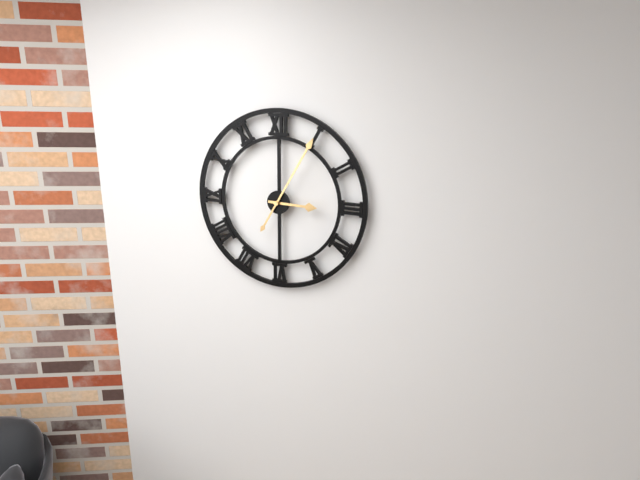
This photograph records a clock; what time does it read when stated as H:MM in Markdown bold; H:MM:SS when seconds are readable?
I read **3:05**
